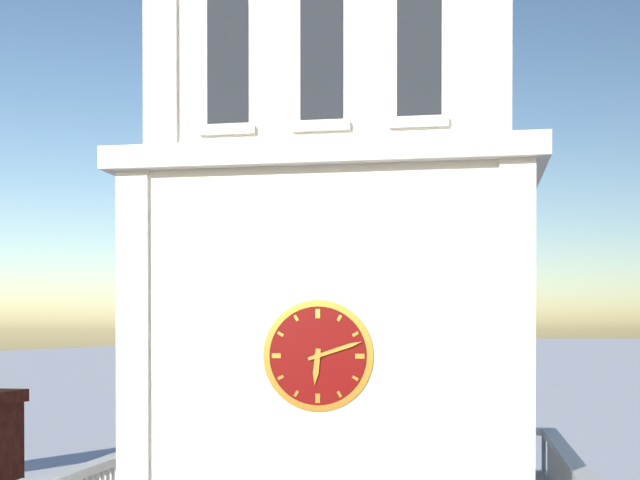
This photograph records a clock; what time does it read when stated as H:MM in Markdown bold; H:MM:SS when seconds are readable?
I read **6:12**
